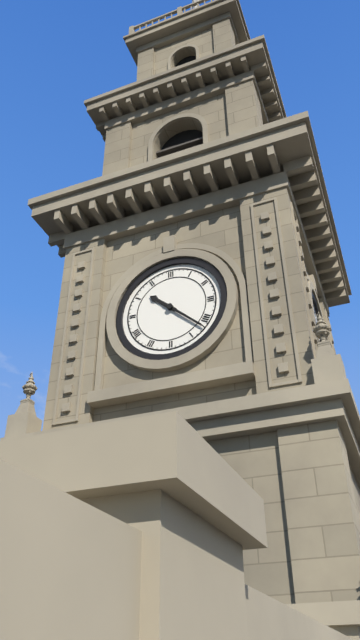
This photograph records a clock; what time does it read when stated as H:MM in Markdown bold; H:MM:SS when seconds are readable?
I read **10:22**
